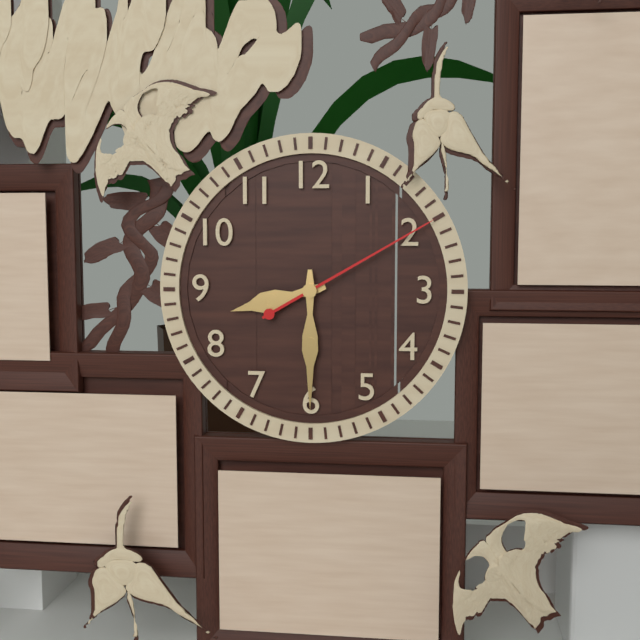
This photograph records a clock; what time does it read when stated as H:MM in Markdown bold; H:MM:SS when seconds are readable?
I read **8:30:10**
